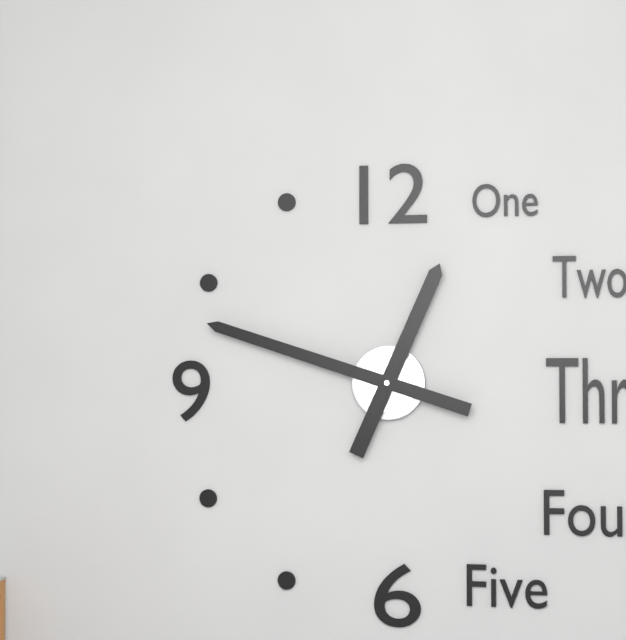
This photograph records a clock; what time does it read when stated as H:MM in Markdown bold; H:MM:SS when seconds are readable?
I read **12:48**
